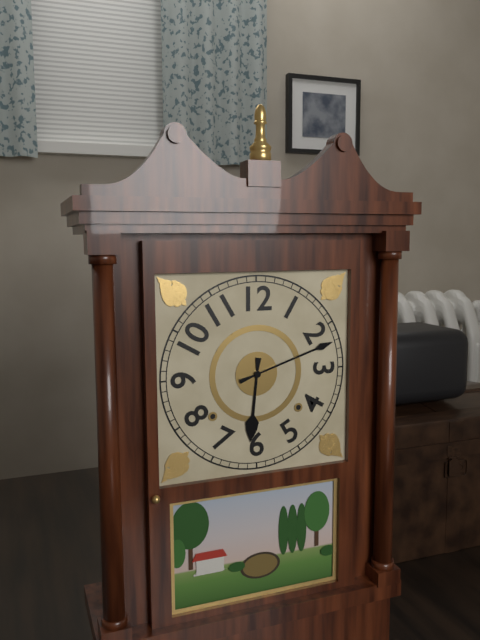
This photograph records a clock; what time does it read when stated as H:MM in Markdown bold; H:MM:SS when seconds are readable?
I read **6:12**
